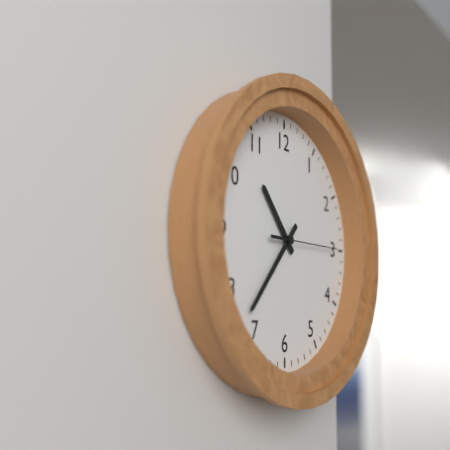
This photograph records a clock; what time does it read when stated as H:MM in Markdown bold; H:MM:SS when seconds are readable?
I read **10:37:15**
